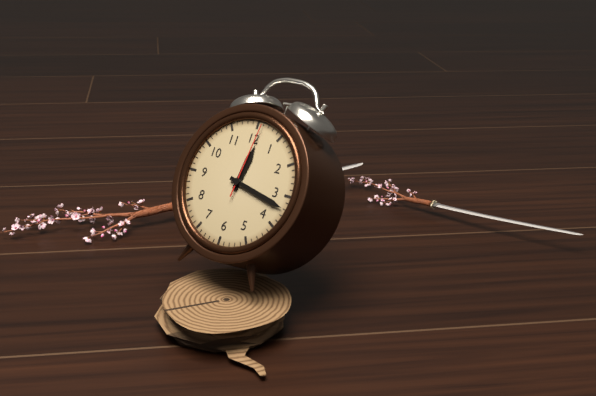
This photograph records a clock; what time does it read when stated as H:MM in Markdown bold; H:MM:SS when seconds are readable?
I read **12:17:01**
